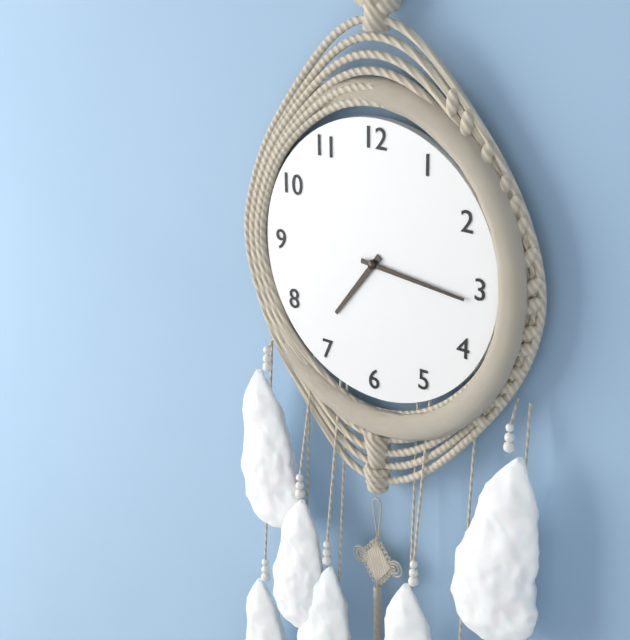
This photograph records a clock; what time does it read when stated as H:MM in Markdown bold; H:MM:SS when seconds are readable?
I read **7:16**
